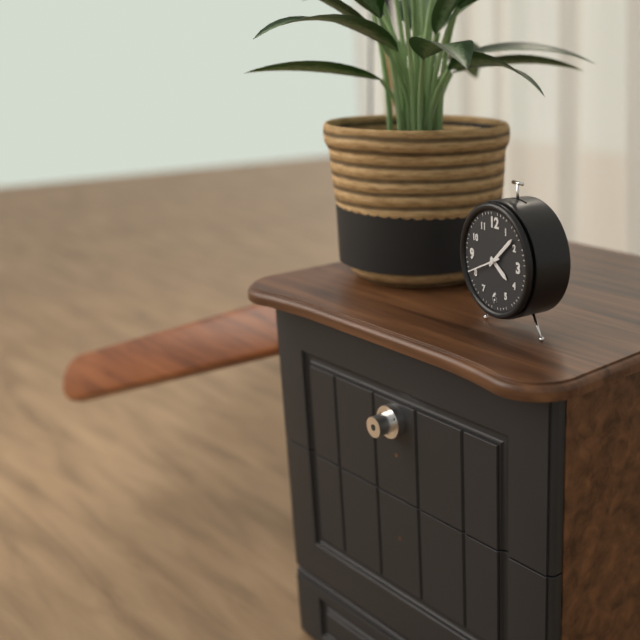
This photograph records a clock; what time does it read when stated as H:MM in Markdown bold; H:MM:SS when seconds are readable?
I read **4:08**
